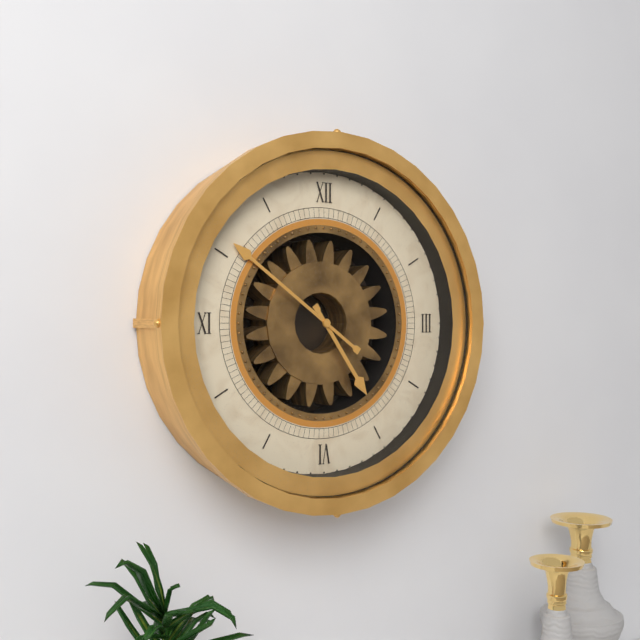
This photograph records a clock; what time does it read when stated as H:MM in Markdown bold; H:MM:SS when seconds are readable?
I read **4:51**
